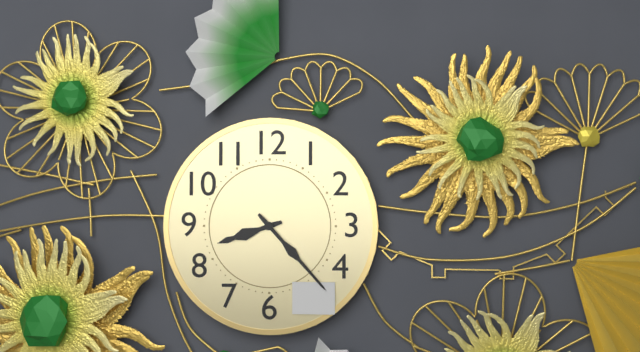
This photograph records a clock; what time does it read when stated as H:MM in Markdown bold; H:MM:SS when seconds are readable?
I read **8:23**
